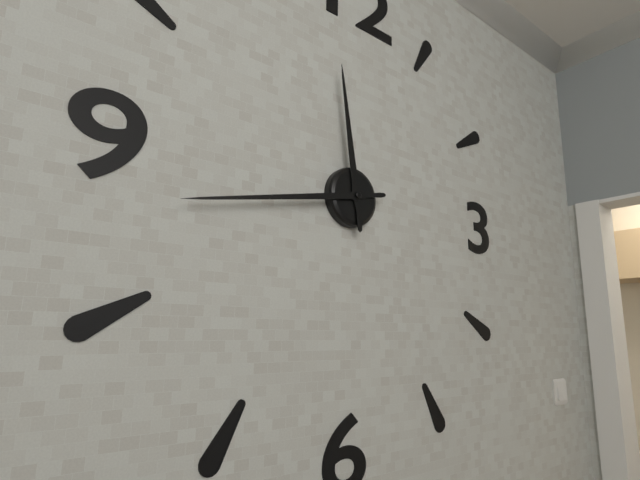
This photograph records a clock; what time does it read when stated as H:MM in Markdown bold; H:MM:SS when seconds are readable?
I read **11:43**
